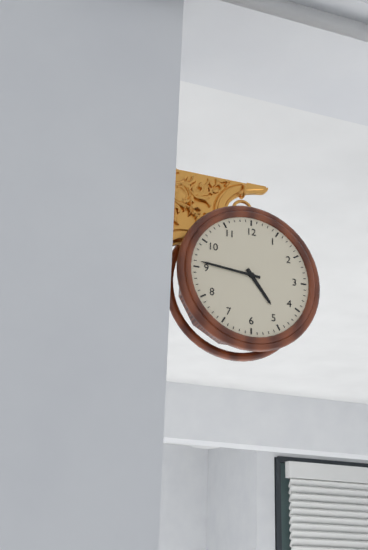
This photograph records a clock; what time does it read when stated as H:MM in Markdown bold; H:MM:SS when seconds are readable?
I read **4:46**
